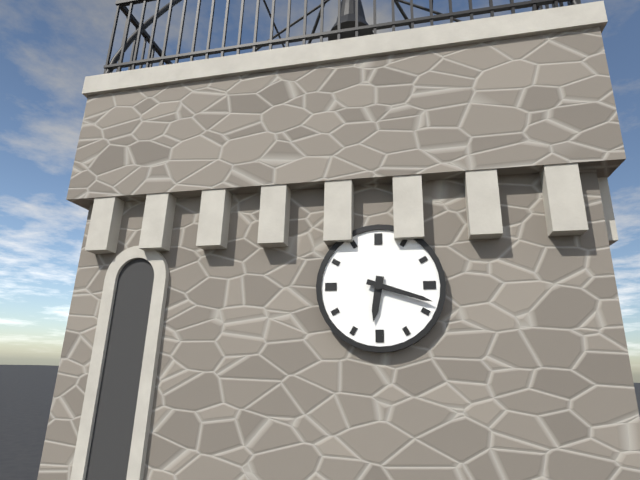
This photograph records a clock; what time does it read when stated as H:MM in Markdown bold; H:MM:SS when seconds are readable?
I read **6:18**
